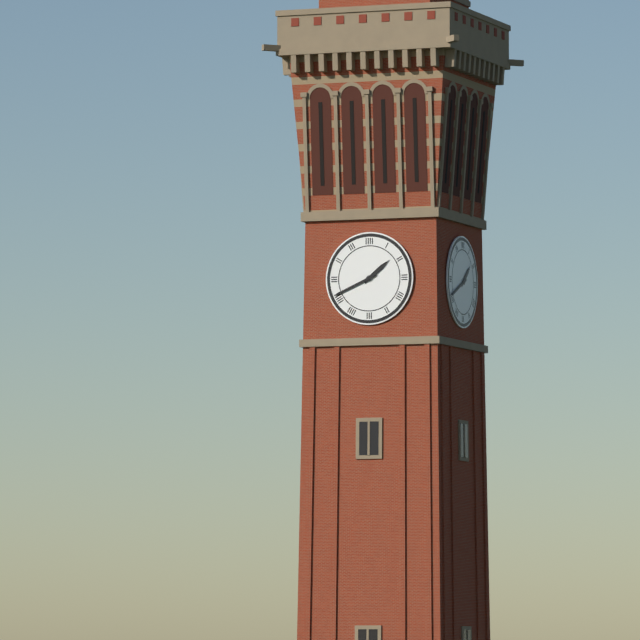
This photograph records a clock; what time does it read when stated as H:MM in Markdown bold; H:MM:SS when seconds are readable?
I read **1:41**
